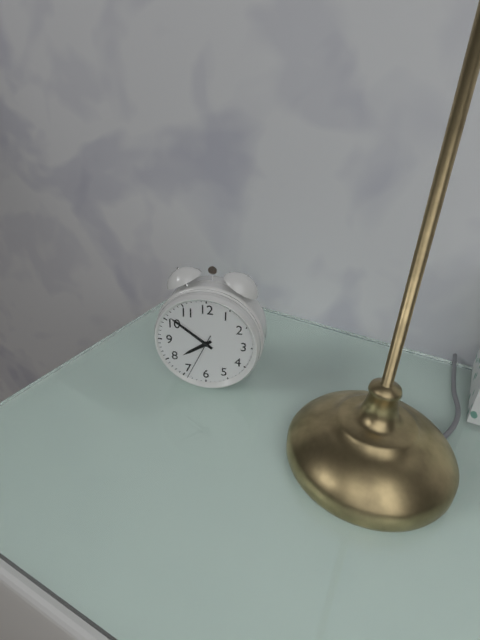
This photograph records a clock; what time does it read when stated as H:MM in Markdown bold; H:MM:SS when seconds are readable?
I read **7:51**
